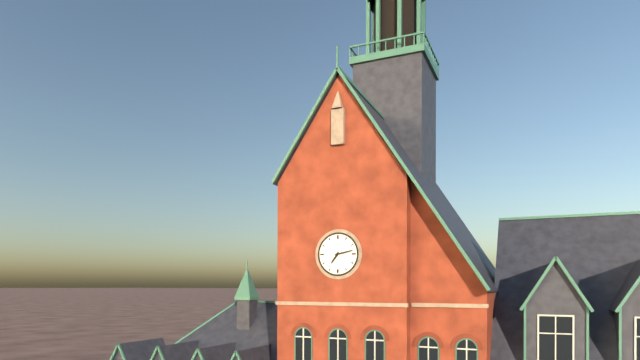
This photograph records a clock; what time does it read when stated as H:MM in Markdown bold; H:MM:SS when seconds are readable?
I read **7:13**
